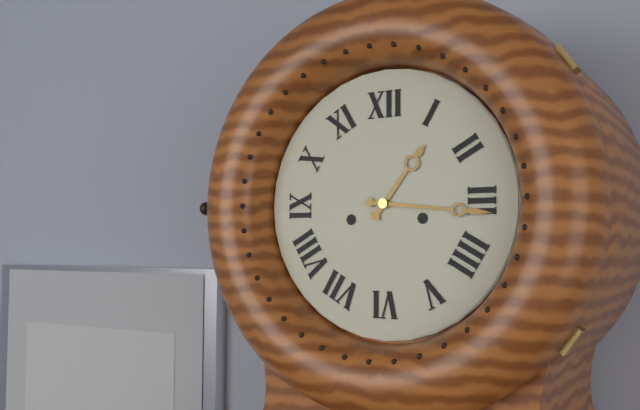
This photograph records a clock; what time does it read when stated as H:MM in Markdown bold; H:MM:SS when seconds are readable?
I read **1:16**
